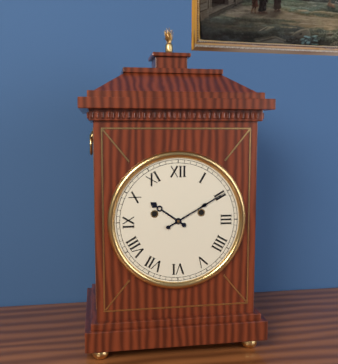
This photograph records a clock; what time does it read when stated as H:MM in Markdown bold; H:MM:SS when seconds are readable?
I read **10:10**
